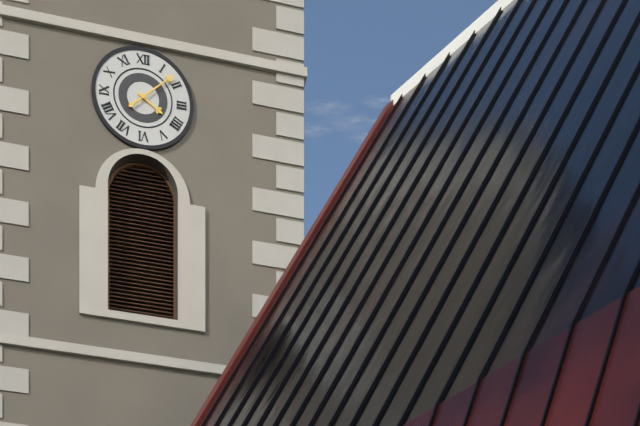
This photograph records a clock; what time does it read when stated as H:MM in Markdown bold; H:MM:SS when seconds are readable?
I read **4:08**
